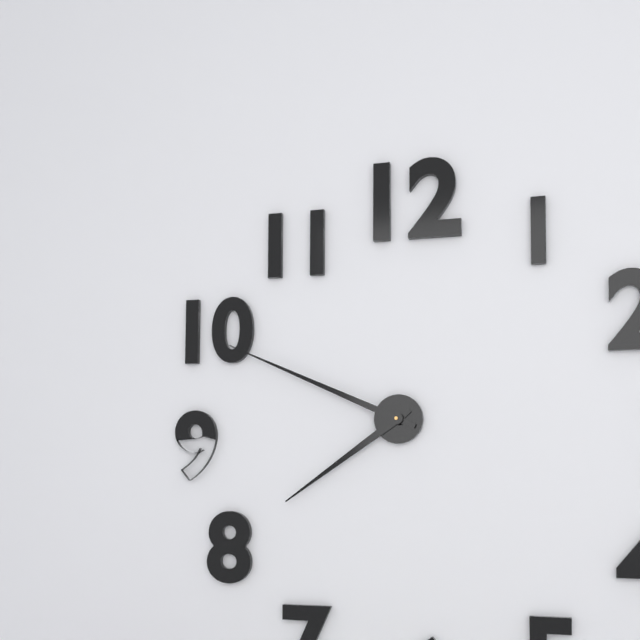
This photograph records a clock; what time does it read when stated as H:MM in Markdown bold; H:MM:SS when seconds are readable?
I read **7:49**
